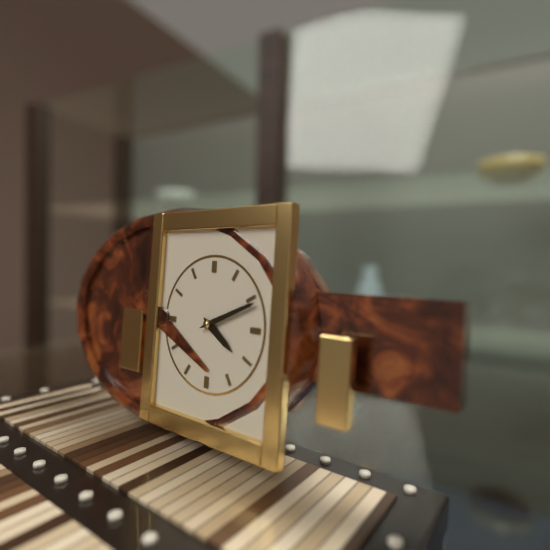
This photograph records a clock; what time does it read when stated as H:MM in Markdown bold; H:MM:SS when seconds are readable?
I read **4:11**
